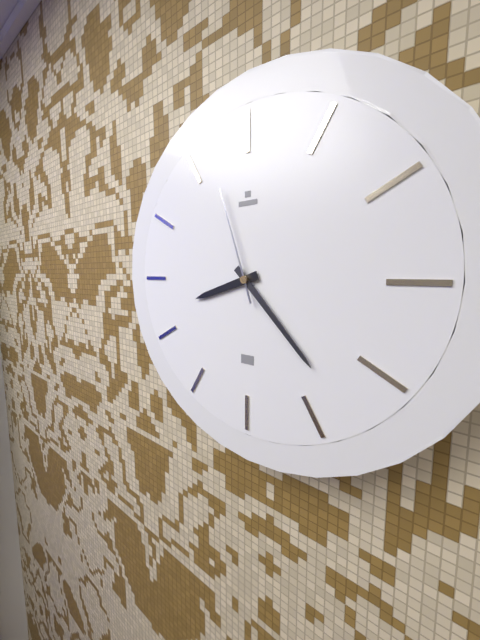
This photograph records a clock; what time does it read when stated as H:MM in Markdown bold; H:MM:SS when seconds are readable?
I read **8:23:57**
